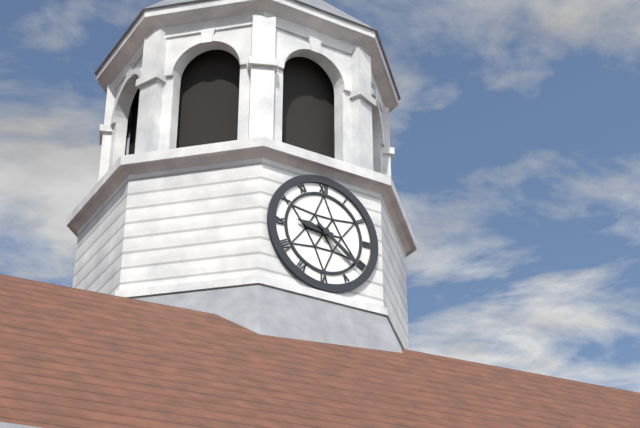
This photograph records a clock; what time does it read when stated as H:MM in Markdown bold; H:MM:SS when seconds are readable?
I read **9:21**
